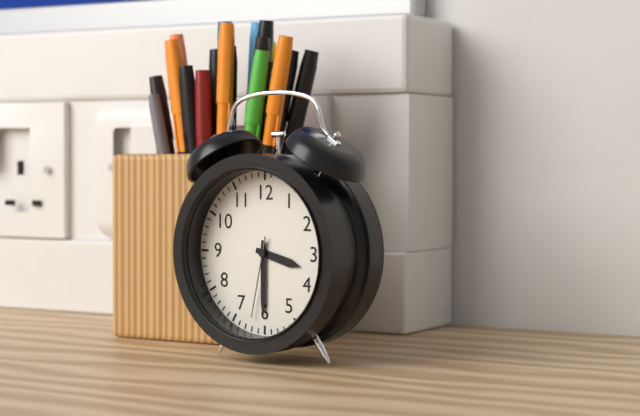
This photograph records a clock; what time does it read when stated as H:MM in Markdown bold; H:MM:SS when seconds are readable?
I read **3:30:32**
